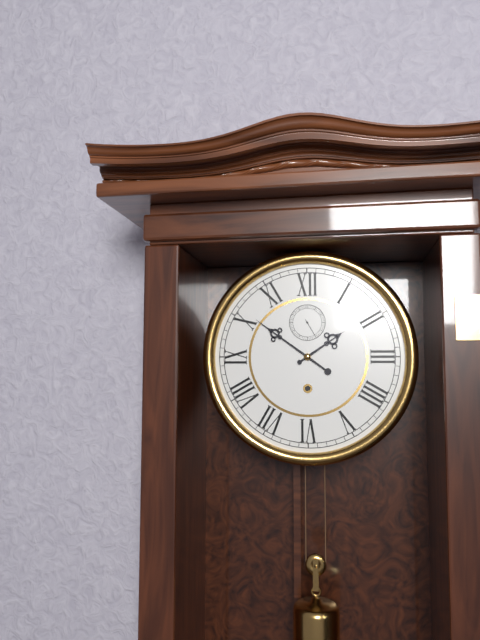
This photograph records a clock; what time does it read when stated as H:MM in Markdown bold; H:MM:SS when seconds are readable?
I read **1:51**
